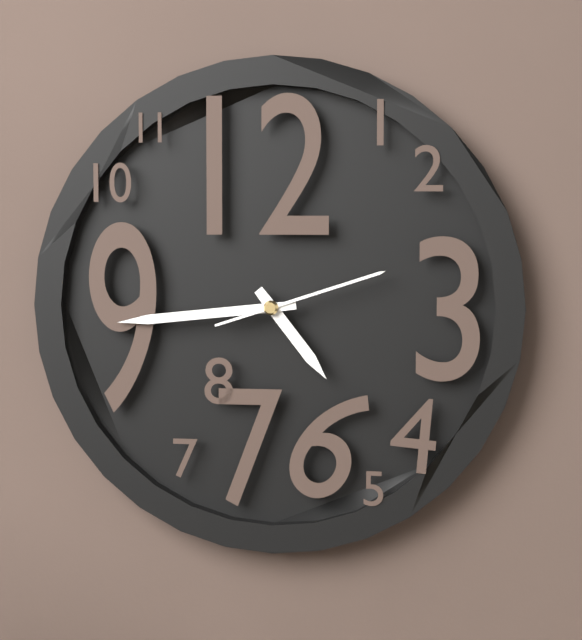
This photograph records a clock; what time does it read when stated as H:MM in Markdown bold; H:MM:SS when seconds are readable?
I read **4:44:12**
